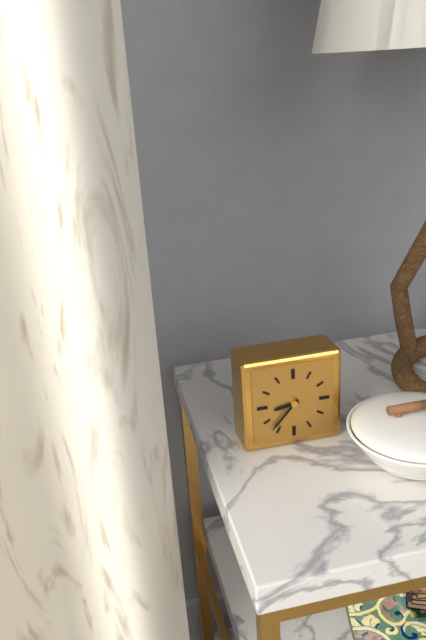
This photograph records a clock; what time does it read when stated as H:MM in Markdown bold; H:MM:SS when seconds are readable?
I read **8:37**
